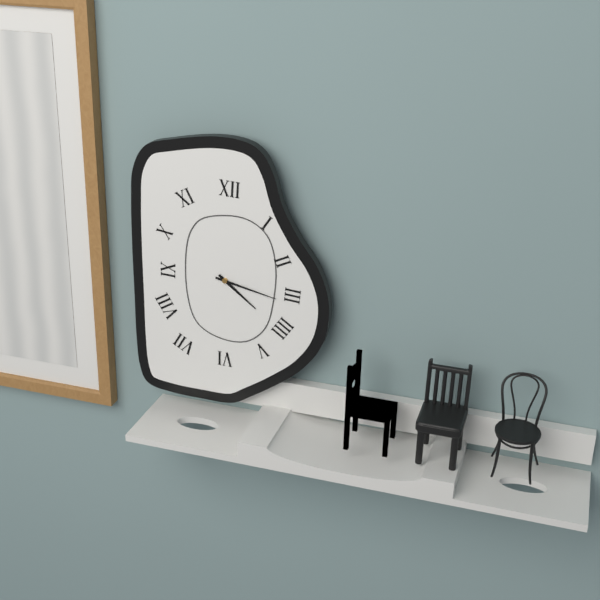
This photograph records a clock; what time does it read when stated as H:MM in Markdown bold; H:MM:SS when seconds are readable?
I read **4:17**
